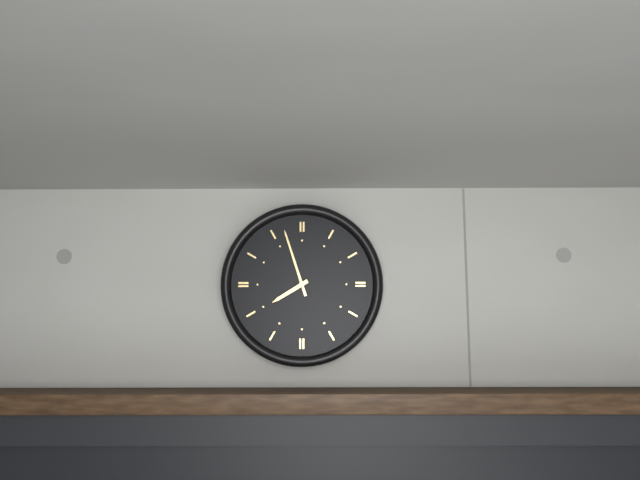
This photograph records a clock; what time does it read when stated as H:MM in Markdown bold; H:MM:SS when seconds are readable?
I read **7:57**
